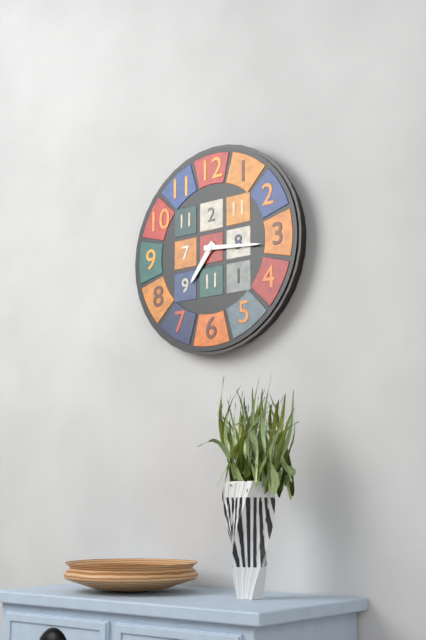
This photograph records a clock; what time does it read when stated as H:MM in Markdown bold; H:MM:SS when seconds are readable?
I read **7:16**
